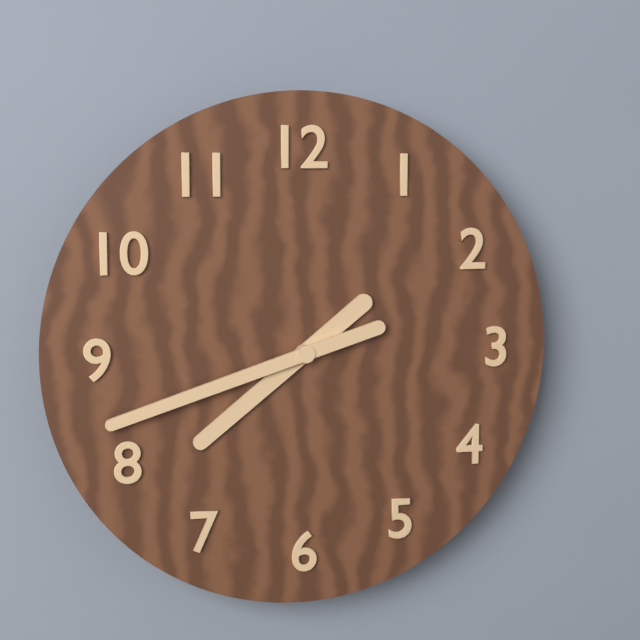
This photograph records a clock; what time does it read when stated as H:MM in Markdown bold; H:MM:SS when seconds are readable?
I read **7:42**
